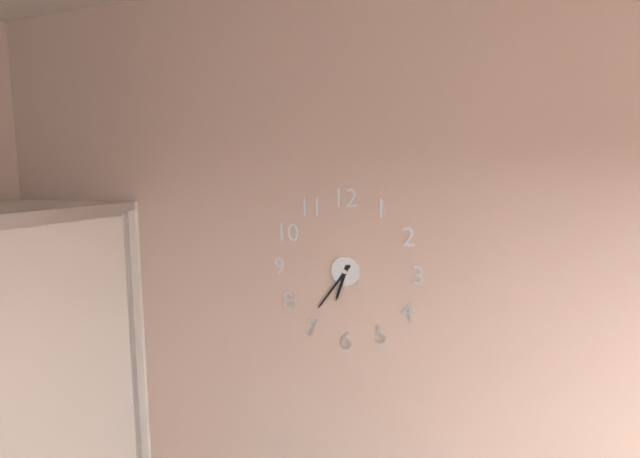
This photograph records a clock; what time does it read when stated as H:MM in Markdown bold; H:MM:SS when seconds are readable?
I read **6:36**
